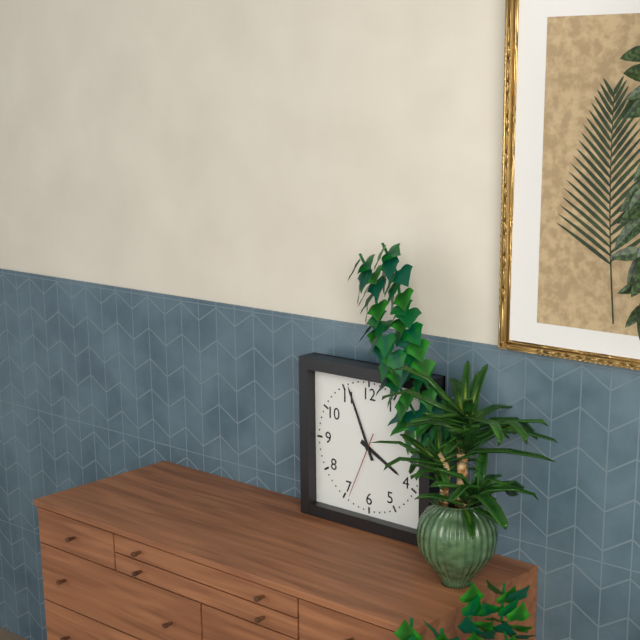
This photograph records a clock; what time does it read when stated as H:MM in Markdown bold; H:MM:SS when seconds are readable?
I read **3:56:34**
